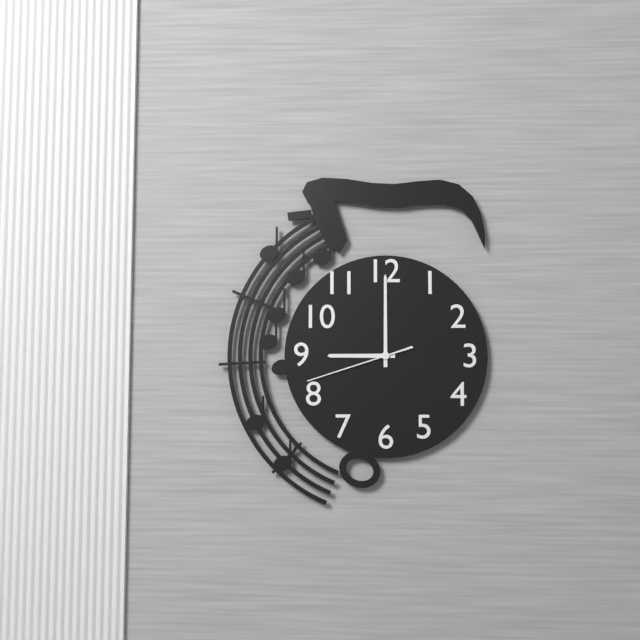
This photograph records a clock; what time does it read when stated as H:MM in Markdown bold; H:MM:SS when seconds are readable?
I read **9:00:42**
